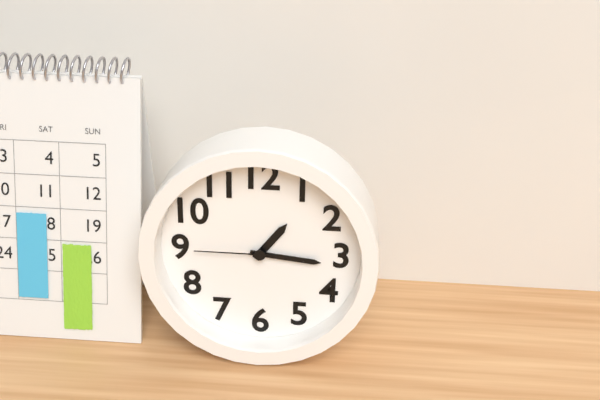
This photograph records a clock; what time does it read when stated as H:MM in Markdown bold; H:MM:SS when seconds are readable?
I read **1:16:45**
